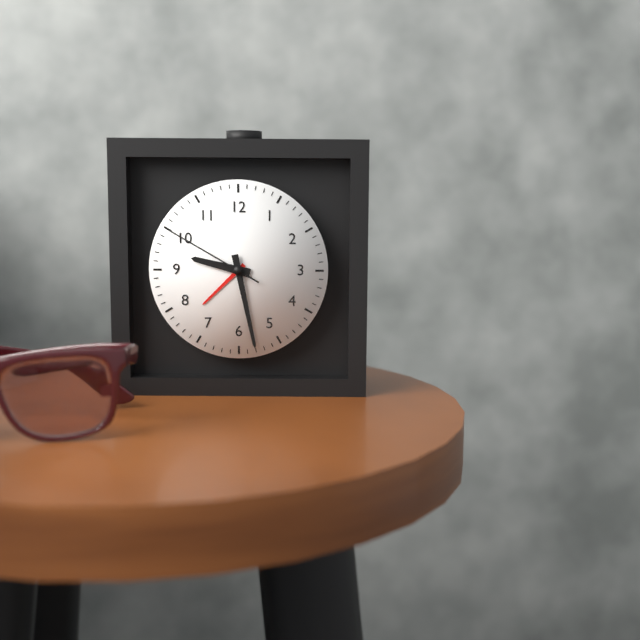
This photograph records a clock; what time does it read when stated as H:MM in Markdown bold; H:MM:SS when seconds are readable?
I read **9:28:50**
